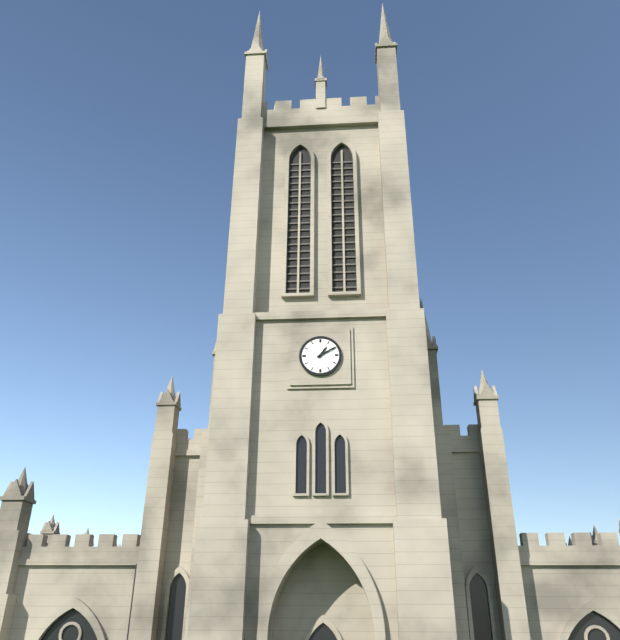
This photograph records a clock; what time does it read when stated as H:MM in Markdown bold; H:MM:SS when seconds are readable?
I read **1:10**
